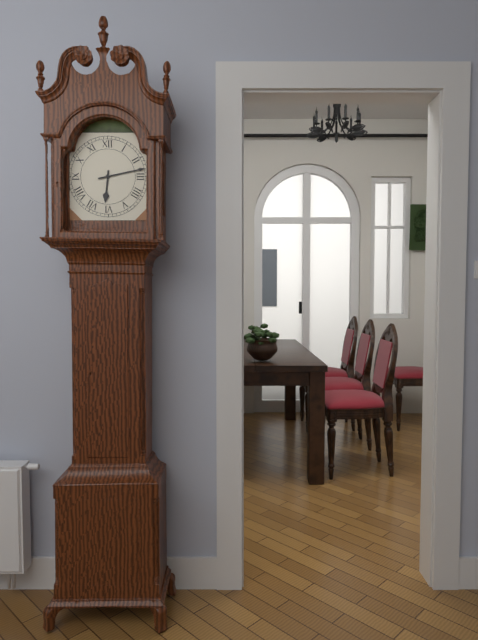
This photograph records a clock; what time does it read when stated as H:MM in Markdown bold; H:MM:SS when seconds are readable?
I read **6:13**
